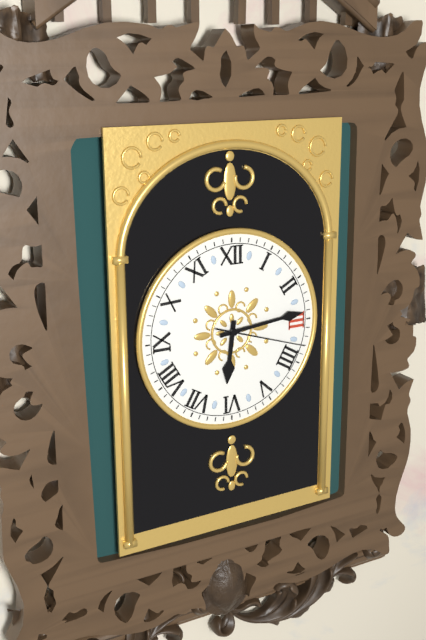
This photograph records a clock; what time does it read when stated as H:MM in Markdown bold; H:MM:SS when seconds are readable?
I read **6:14:18**
